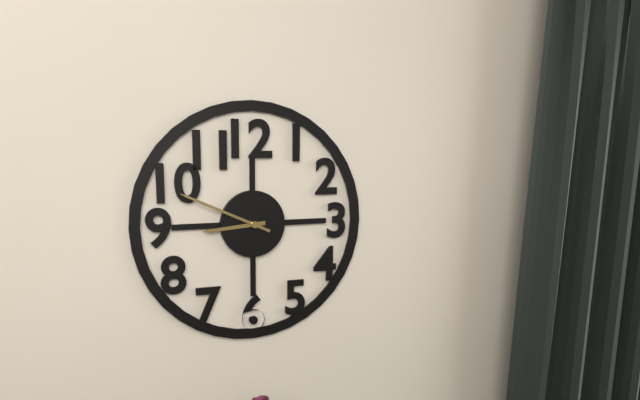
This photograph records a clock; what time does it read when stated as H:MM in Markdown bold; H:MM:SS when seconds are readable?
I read **8:49**
